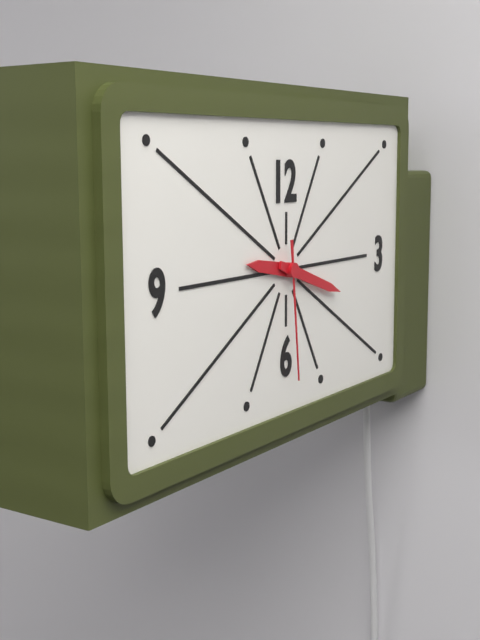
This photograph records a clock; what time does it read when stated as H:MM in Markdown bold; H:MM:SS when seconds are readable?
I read **9:18:29**
